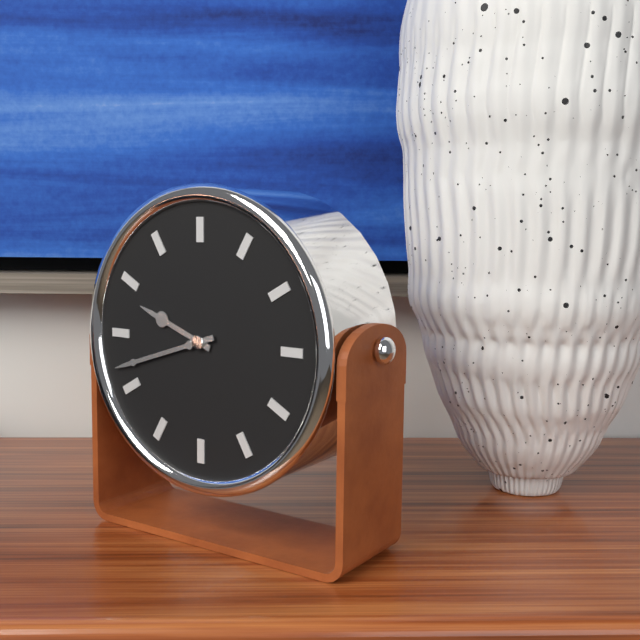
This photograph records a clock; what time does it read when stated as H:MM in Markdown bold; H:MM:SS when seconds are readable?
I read **9:42**
